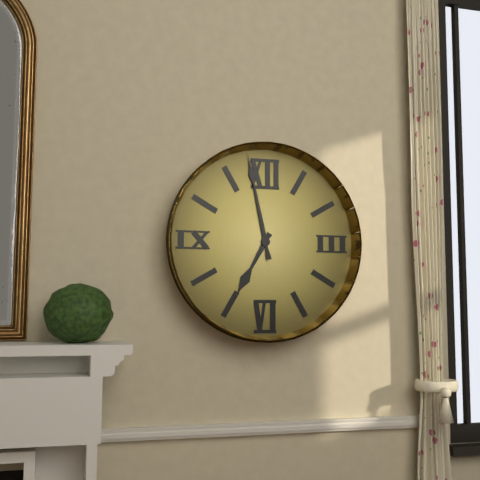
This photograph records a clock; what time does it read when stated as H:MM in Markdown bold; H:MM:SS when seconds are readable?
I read **6:58**
